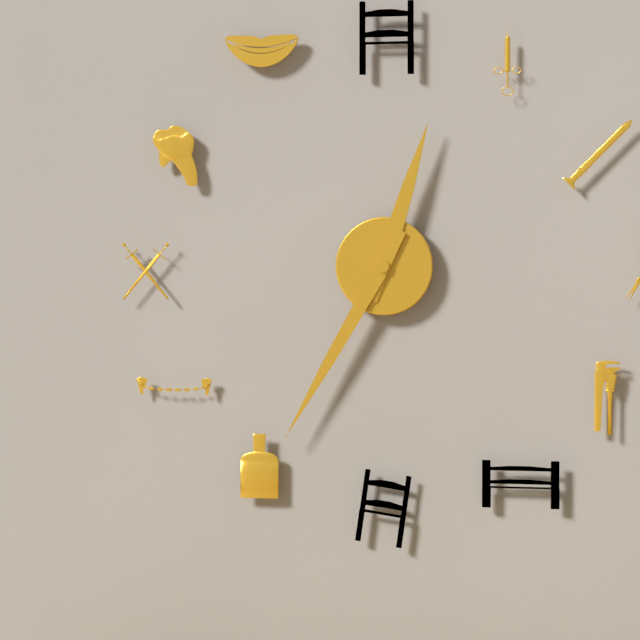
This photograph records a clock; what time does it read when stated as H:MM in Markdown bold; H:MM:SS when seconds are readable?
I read **12:35**
